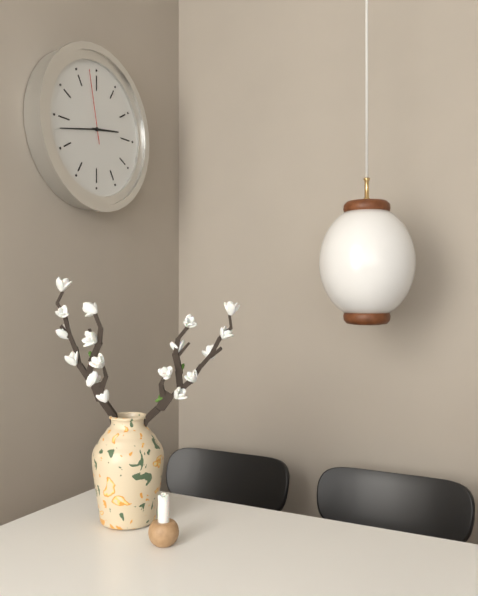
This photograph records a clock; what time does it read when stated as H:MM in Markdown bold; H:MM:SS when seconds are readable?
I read **2:43:58**
